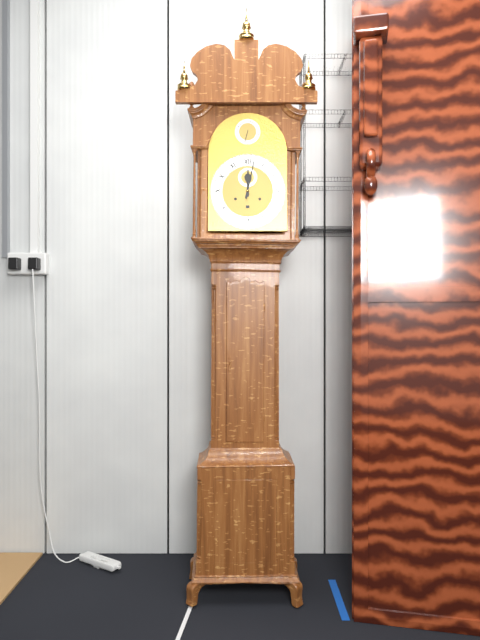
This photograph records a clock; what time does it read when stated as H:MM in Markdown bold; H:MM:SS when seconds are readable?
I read **12:02**
